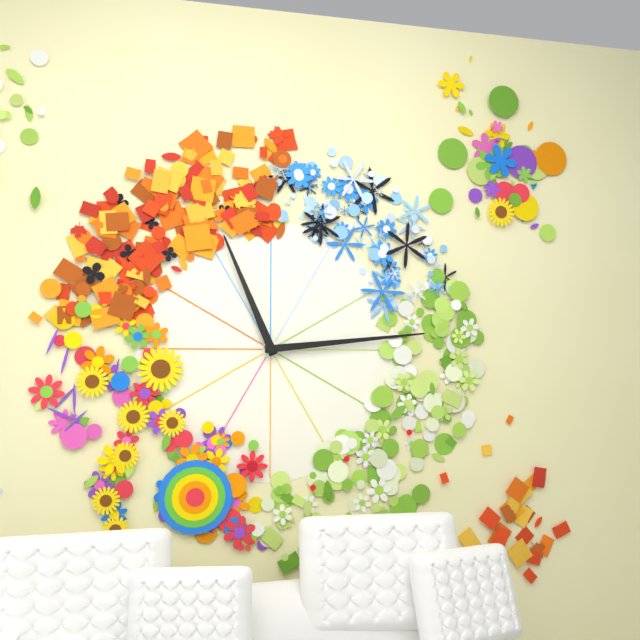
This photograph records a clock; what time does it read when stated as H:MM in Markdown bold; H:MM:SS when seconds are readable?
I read **11:14**
